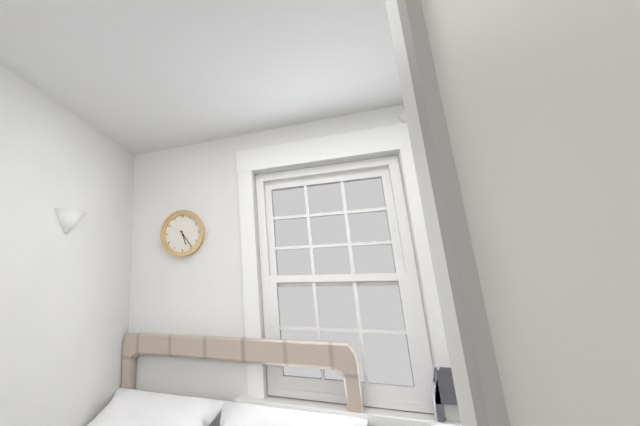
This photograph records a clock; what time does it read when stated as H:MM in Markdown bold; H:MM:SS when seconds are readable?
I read **5:24**
